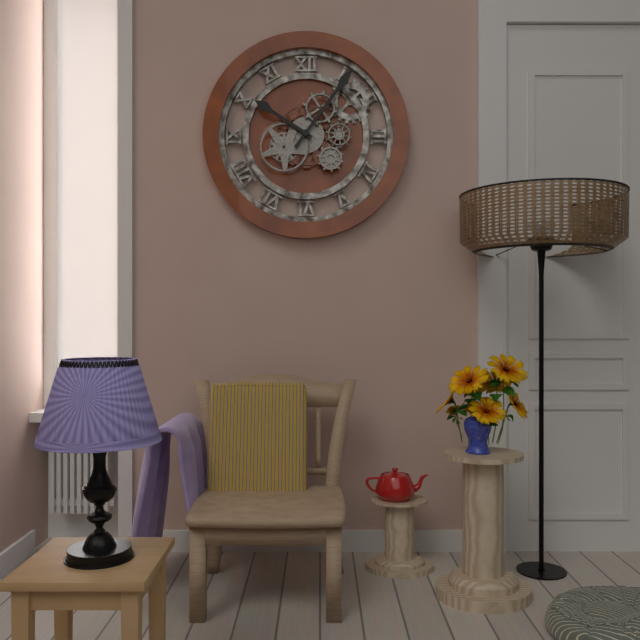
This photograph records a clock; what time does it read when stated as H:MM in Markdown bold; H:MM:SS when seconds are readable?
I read **10:06**
